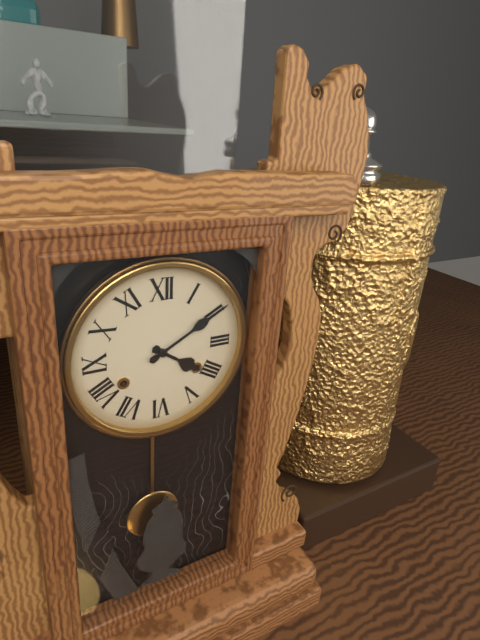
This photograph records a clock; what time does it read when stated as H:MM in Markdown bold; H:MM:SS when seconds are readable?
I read **4:10**
